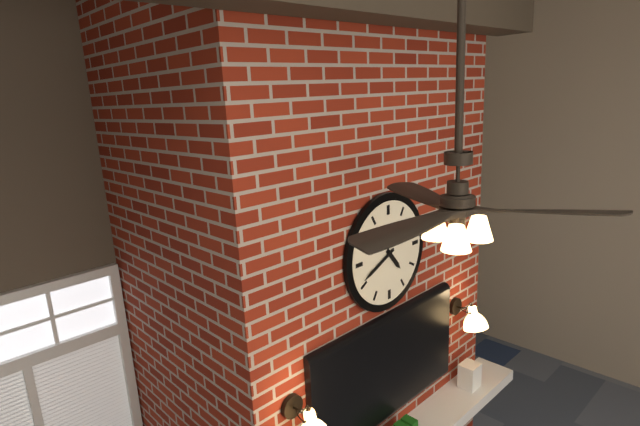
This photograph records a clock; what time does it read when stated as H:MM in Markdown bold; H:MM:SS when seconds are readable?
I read **4:41**
